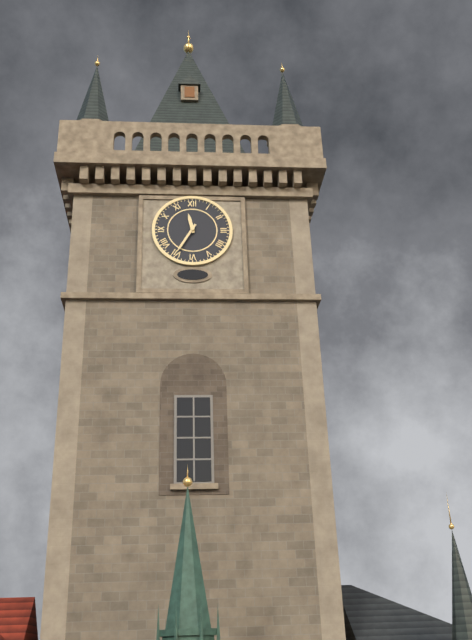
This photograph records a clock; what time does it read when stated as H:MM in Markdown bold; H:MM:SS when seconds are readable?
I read **11:35**
